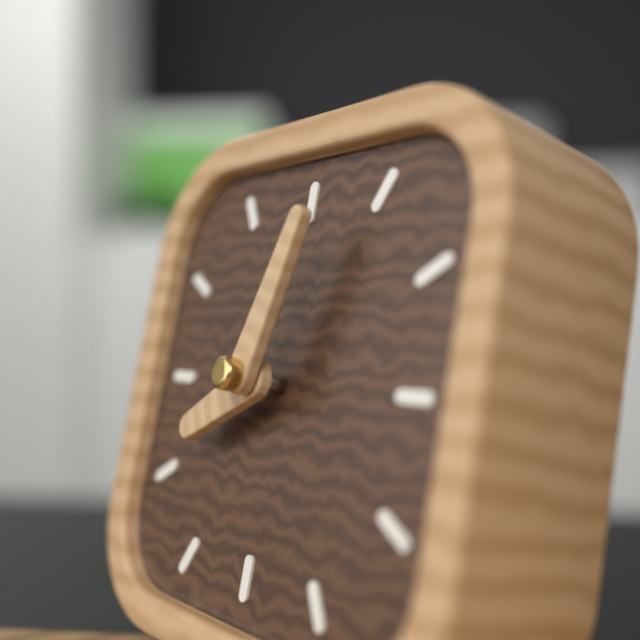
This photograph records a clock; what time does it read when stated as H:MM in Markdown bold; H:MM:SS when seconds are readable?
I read **8:03**
